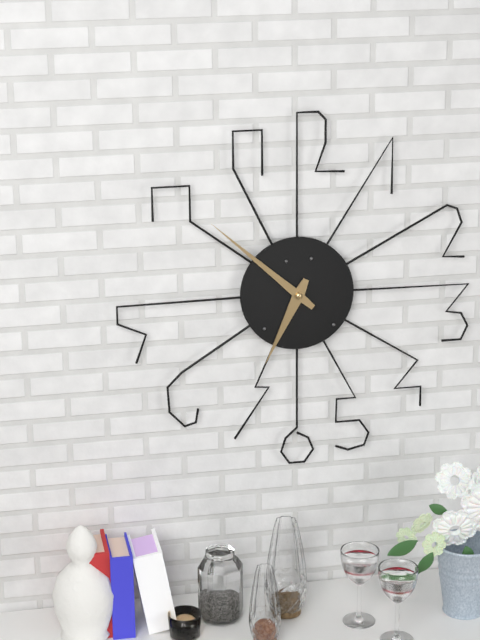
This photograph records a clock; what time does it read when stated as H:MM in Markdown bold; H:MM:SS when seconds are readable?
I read **6:52**
